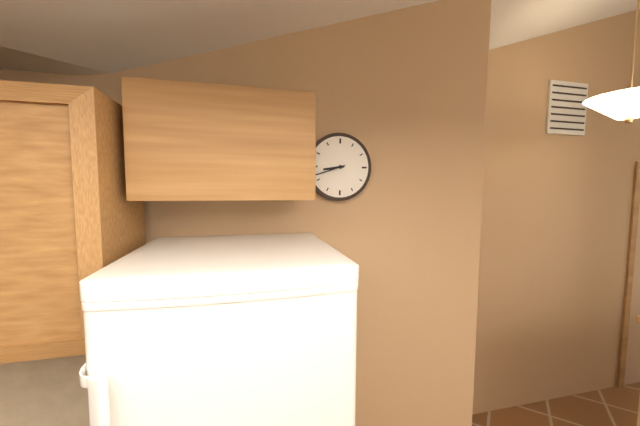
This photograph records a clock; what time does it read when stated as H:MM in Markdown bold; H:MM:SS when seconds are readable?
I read **8:42**
